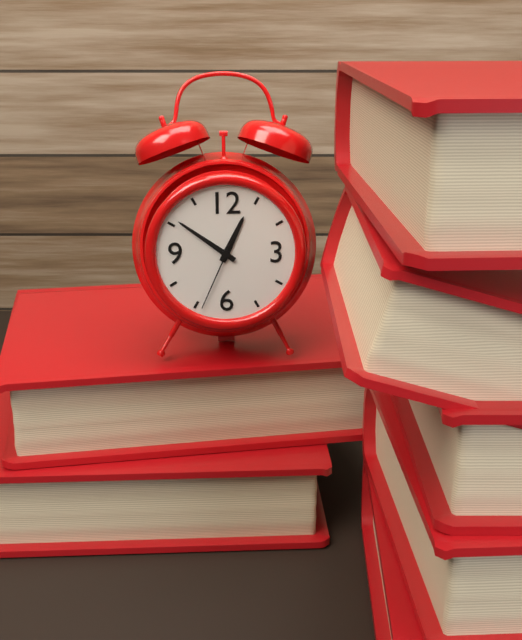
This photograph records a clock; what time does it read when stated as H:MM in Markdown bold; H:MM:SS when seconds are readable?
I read **12:51:34**
